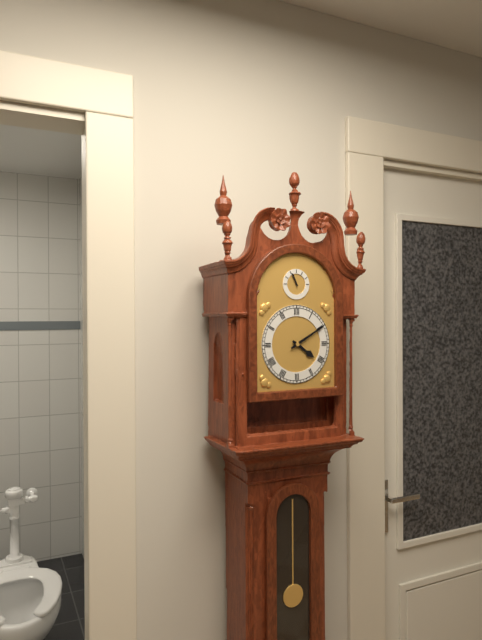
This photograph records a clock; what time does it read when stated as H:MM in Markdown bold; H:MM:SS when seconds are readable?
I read **4:10**
